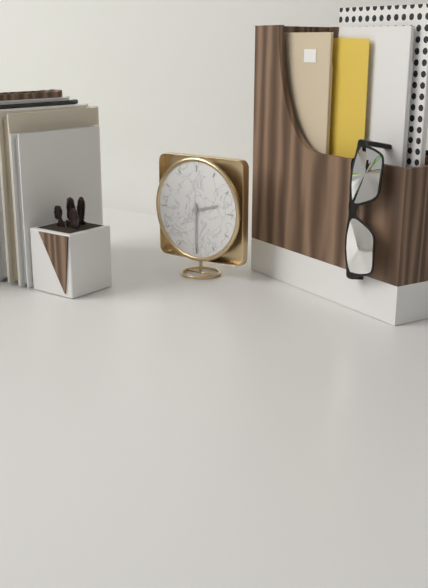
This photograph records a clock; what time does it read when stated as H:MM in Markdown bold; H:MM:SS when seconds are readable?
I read **2:30**
